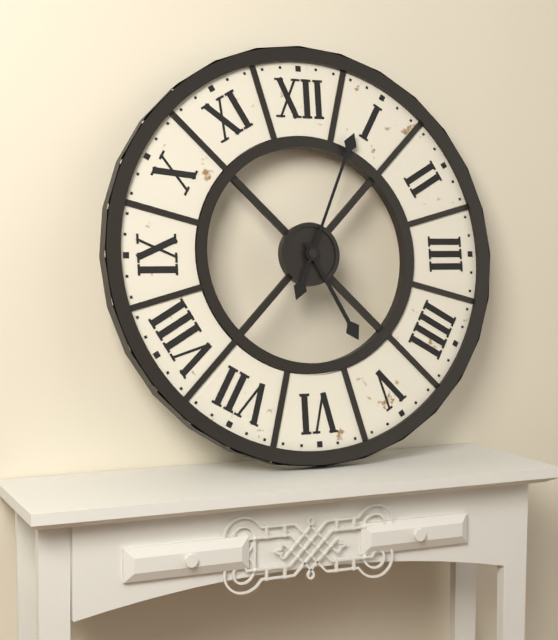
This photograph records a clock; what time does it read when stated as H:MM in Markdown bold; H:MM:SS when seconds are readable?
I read **5:04**
